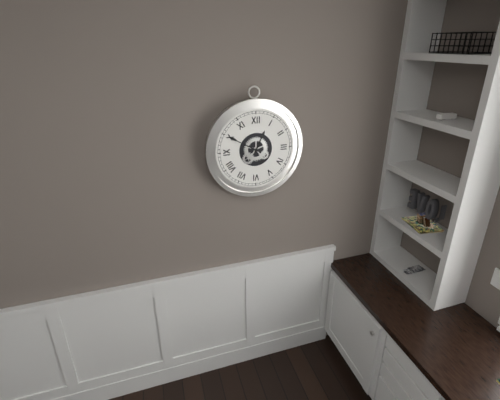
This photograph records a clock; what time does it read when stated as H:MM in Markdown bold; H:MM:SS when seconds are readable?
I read **12:50**
